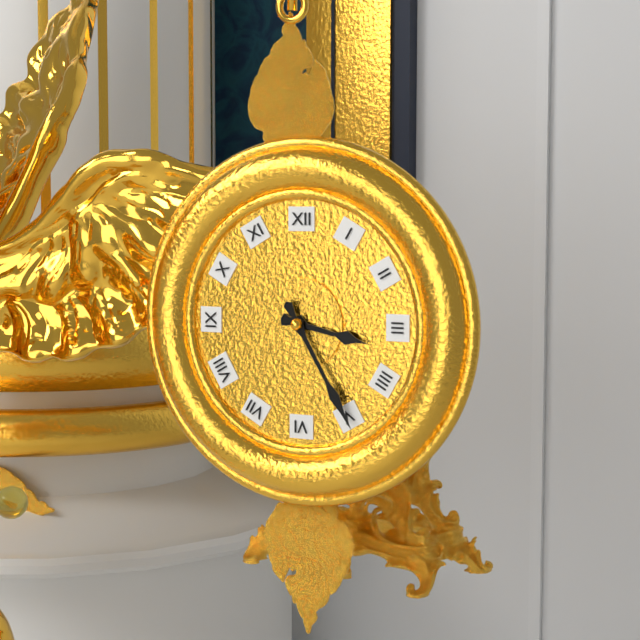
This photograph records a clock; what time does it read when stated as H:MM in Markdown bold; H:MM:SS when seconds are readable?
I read **3:25**
